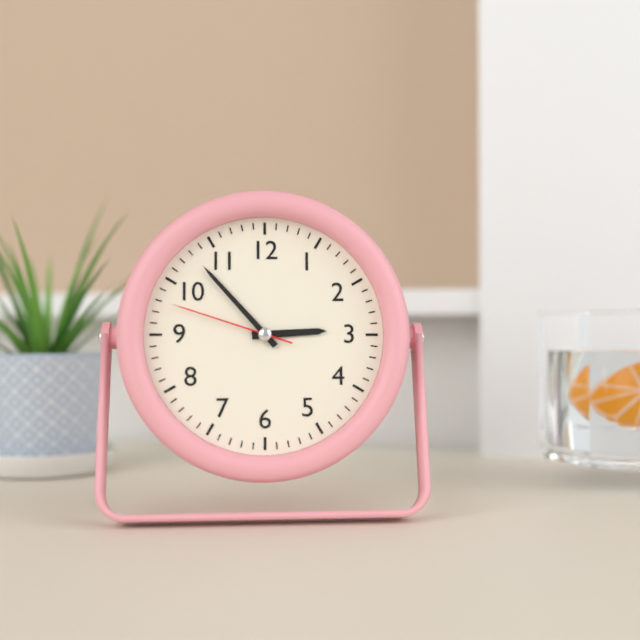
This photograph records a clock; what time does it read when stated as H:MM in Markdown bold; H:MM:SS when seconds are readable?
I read **2:53:48**
